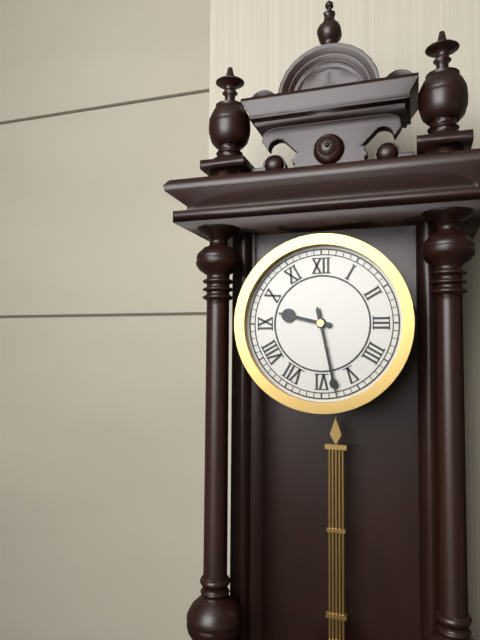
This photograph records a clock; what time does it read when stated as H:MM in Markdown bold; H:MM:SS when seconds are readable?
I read **9:28**
